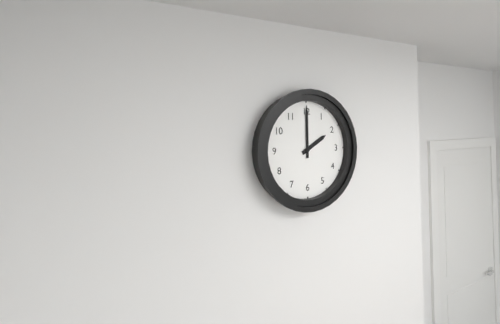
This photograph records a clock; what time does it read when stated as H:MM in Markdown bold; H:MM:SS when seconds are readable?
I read **2:00**
